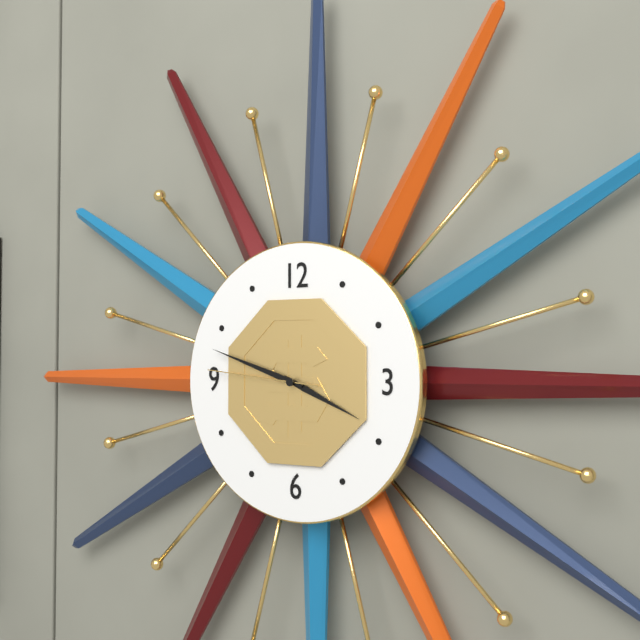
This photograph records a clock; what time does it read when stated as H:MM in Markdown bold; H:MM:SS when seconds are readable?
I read **3:48:46**
